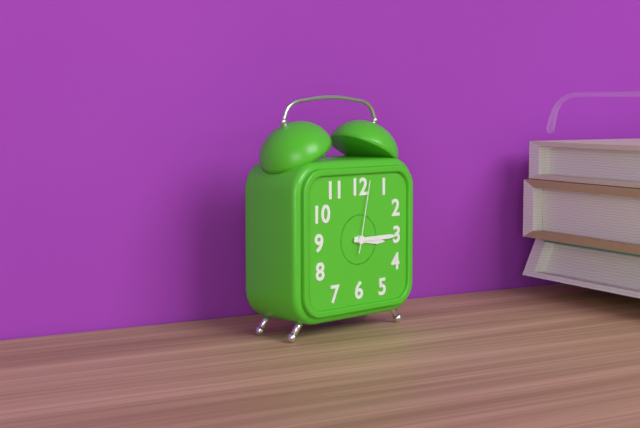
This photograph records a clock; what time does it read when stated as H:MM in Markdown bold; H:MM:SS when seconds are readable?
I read **3:15:02**
